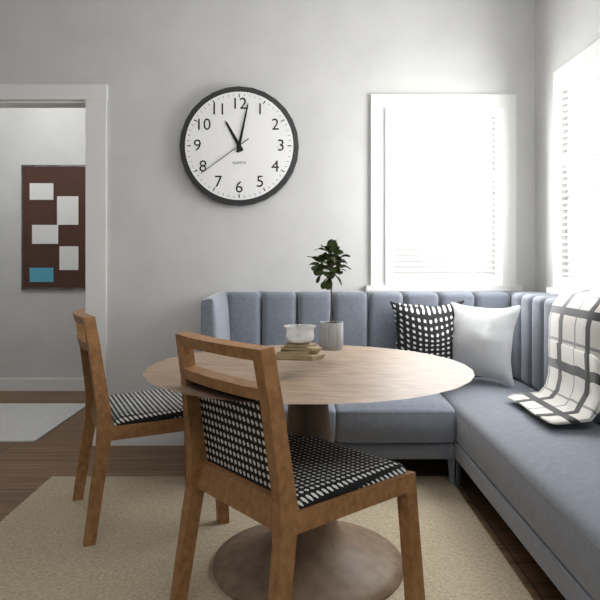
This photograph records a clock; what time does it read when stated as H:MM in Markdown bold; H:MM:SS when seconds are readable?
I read **11:02:39**
